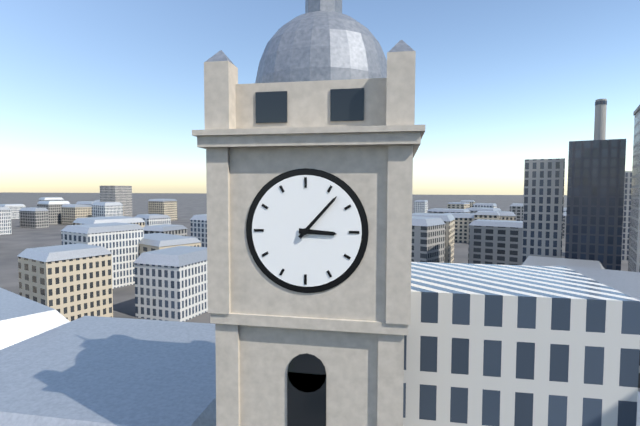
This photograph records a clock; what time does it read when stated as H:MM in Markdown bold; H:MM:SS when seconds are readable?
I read **3:07**
